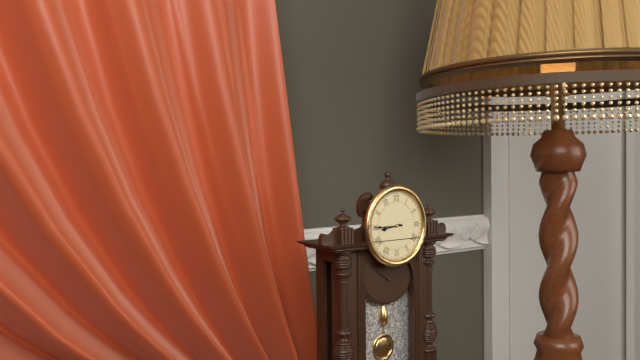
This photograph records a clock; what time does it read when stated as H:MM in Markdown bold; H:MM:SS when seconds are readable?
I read **8:45**
